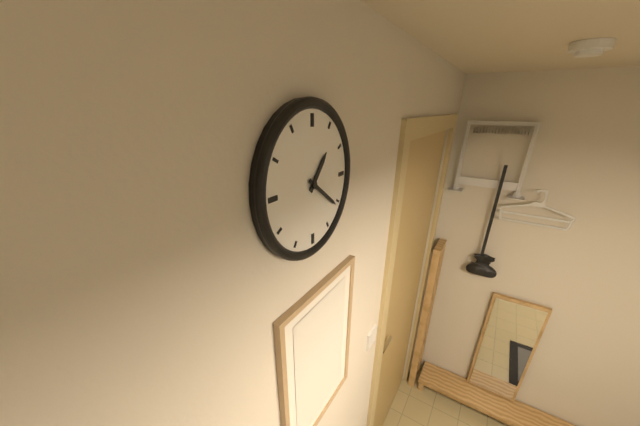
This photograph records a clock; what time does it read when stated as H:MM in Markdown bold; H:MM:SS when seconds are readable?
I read **1:21**
